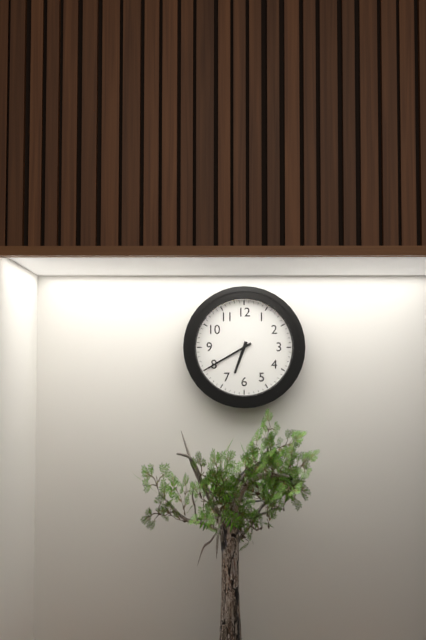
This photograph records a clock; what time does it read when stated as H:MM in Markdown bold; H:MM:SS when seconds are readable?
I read **6:40**
